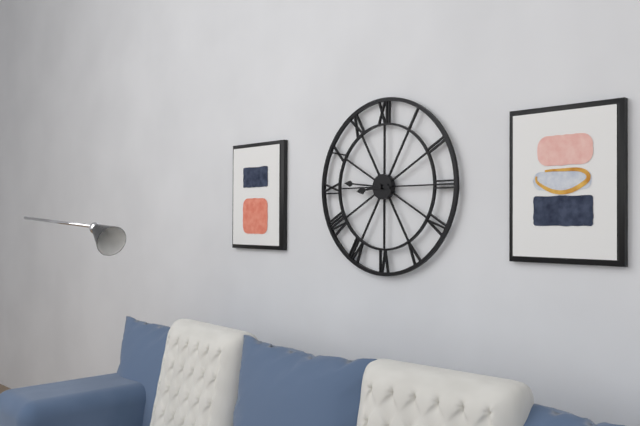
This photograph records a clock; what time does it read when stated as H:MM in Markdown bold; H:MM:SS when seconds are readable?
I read **8:46**
